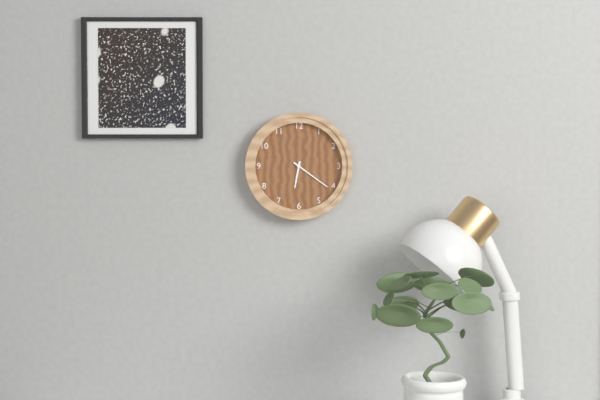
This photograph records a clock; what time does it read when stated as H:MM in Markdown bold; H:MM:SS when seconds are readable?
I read **6:21**
